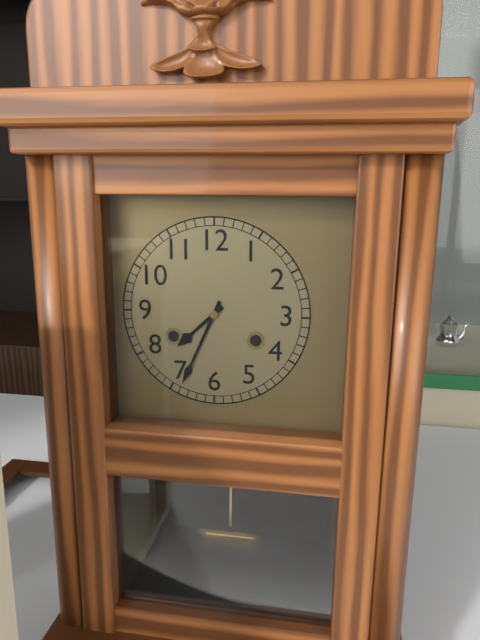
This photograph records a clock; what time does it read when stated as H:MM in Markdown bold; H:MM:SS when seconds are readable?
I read **7:34**
